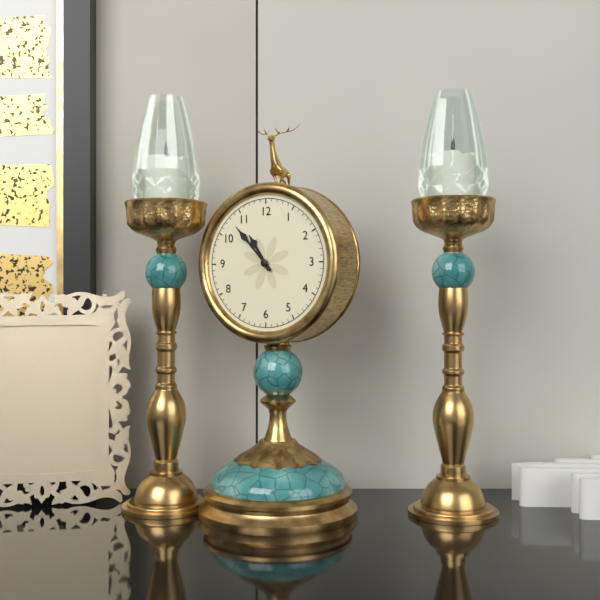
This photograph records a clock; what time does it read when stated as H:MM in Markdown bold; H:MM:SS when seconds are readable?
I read **10:53**
